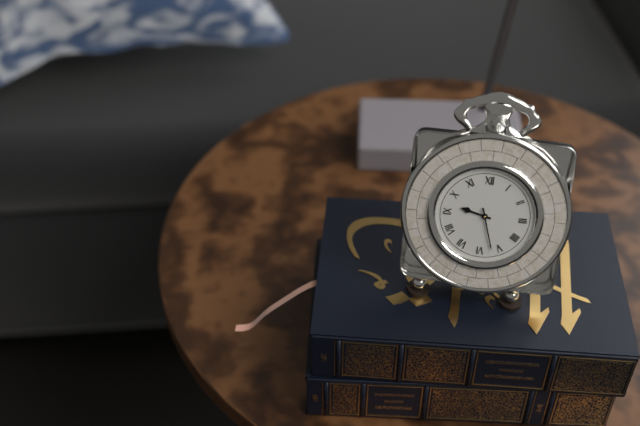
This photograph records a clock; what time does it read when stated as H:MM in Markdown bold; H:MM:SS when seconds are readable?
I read **9:27**
